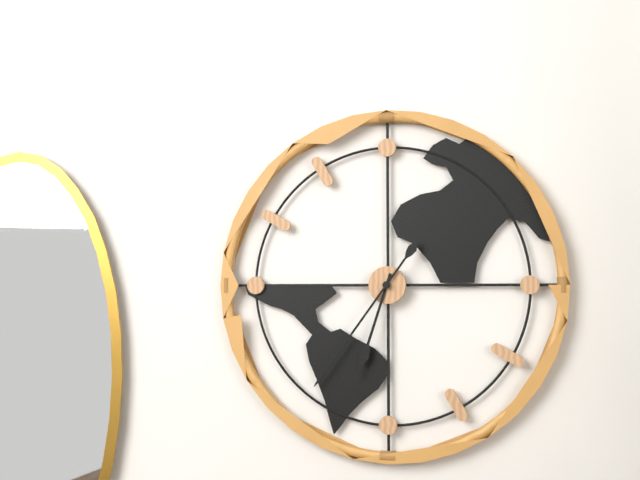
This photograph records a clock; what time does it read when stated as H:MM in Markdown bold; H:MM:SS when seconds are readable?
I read **6:36**
